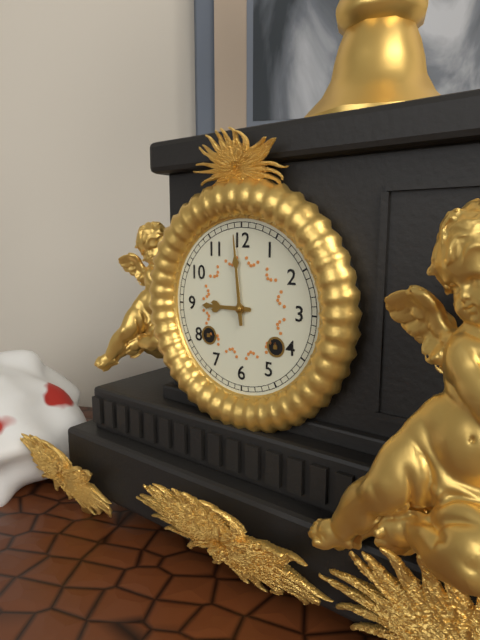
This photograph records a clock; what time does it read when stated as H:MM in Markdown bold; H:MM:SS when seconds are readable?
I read **8:59**
